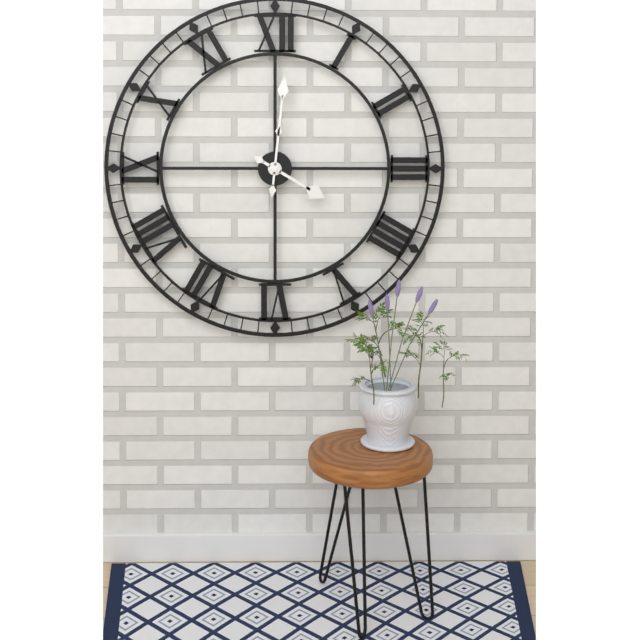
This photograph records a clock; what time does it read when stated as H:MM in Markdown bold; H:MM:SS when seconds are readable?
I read **4:01**
